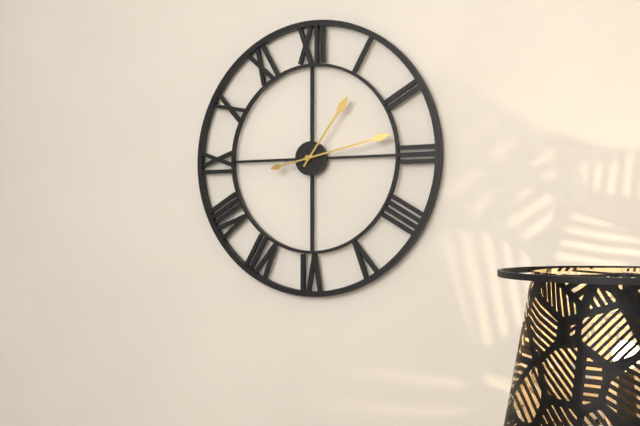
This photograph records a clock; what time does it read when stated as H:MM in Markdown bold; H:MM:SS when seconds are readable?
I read **1:13**
